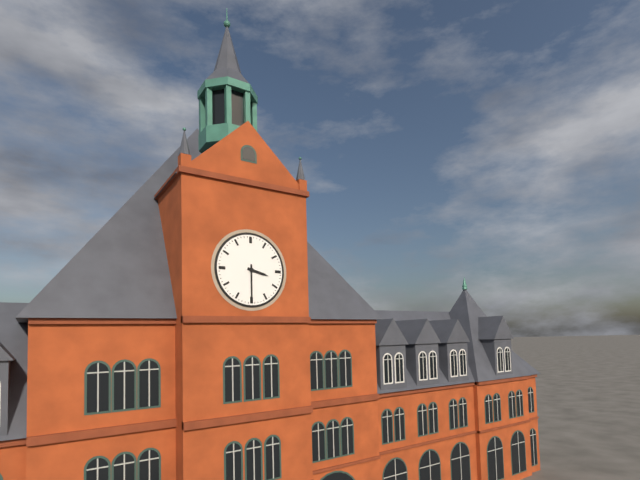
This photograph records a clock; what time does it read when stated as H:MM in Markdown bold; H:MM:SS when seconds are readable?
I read **3:30**
